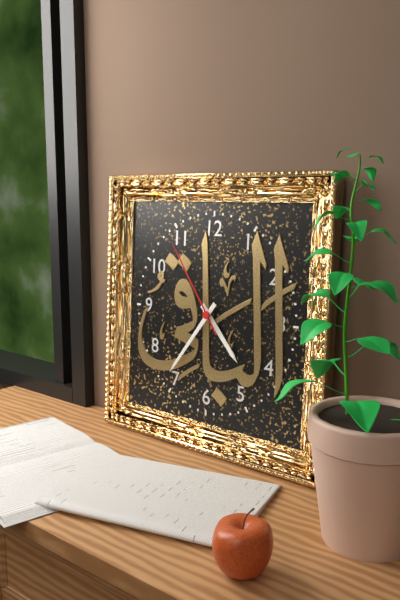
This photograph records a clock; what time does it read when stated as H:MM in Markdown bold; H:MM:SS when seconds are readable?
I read **4:36:54**
